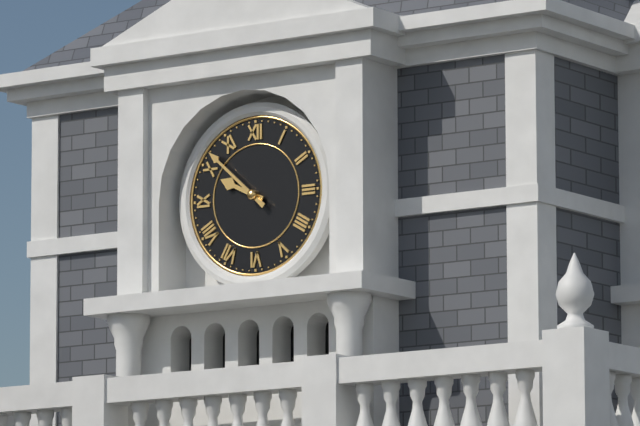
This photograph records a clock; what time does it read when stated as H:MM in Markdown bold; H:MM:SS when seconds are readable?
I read **9:52**
